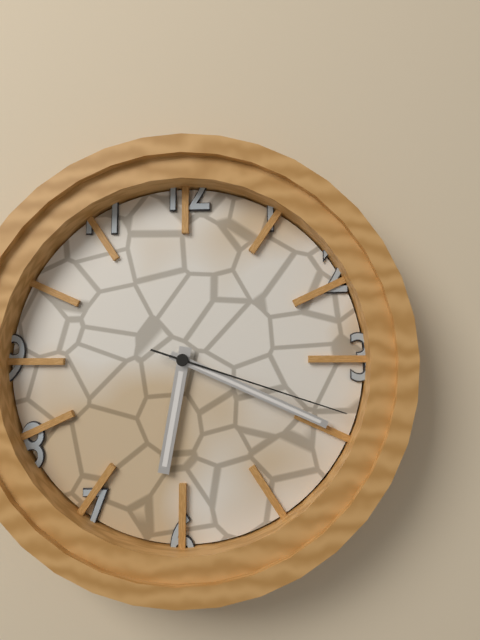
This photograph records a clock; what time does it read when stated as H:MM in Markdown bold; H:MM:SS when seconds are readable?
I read **6:19:18**
